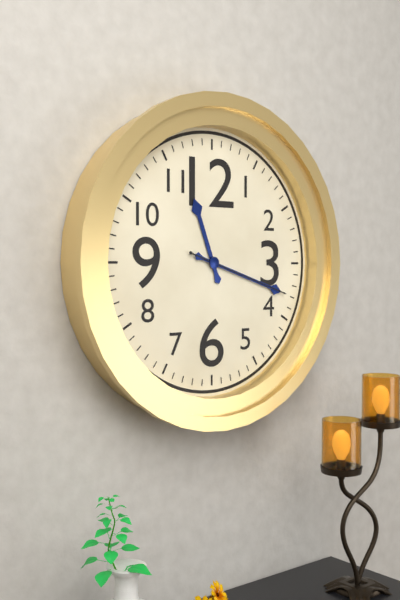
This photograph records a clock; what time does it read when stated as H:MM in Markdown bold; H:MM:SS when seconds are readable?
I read **11:18:18**
